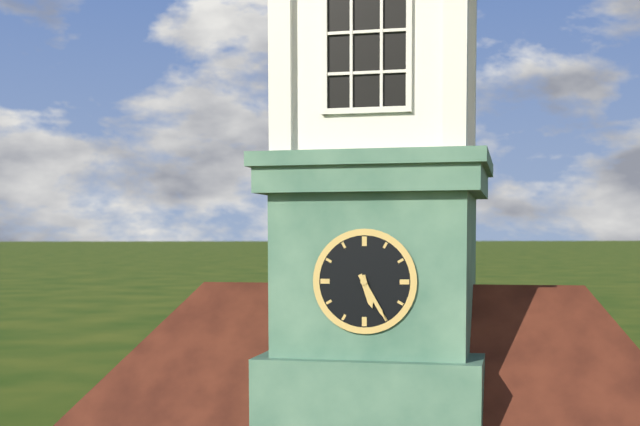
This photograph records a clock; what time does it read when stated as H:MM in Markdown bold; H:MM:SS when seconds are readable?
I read **5:25**
